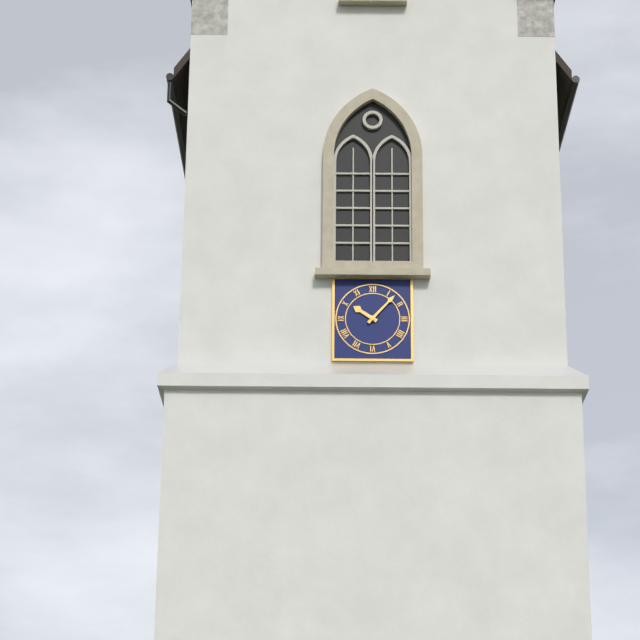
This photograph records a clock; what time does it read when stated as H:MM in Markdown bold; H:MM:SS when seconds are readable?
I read **10:07**
